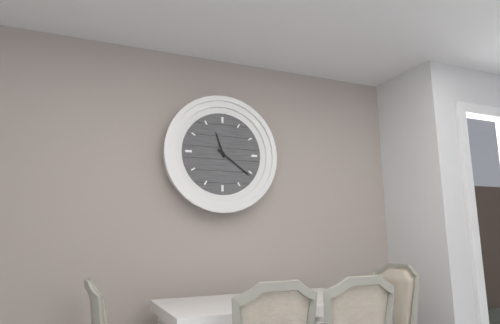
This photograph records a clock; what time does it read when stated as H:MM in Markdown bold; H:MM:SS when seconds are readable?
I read **11:21**
